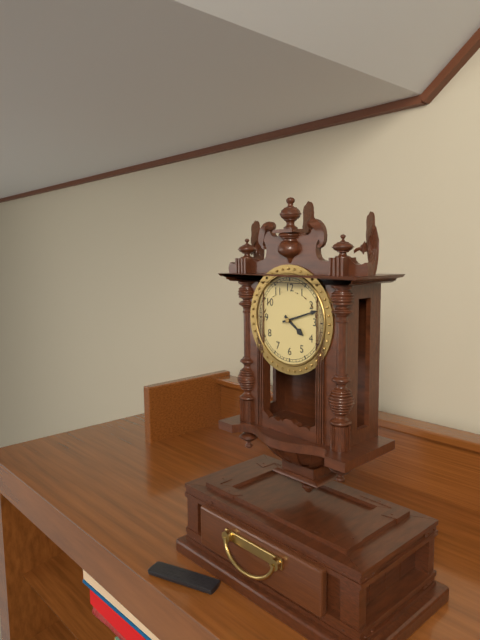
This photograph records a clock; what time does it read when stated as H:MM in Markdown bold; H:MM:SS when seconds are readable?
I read **4:12**
